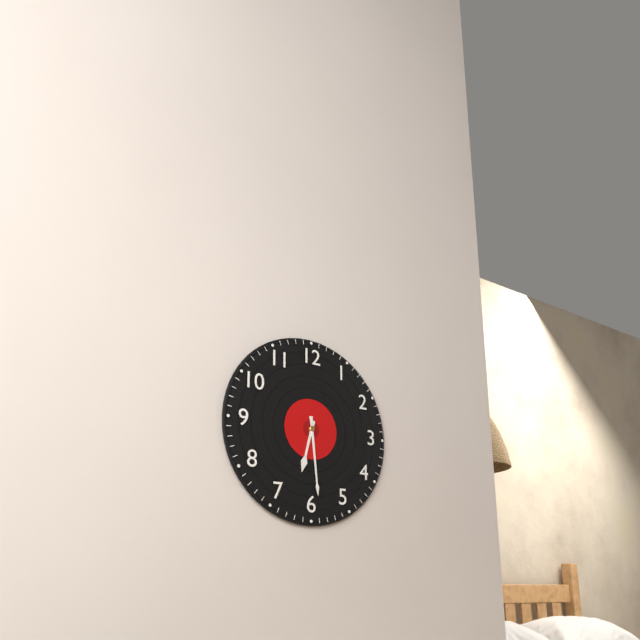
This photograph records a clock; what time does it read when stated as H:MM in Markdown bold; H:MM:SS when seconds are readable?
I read **6:29**
